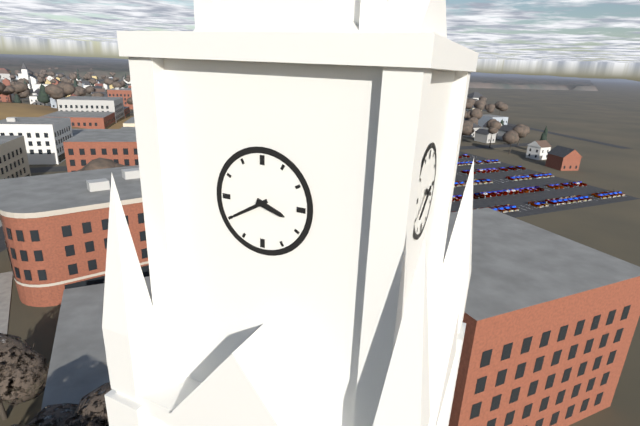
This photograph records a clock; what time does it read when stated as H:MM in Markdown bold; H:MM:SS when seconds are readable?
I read **3:40**
